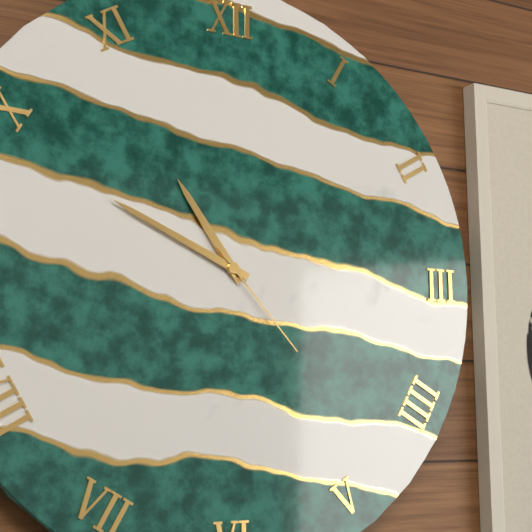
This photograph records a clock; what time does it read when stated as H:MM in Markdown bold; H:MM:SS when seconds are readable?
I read **10:49:23**
